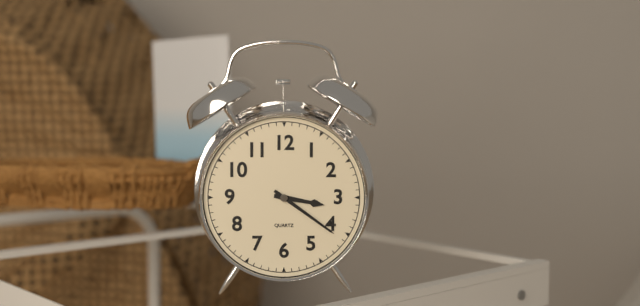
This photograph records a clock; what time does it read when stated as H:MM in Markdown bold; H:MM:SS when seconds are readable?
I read **3:21**
